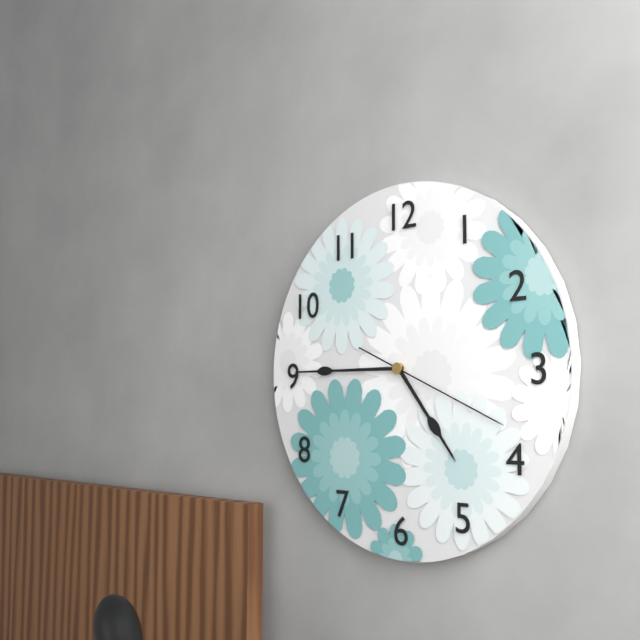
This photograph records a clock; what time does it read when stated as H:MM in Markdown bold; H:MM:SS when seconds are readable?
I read **4:45:19**
